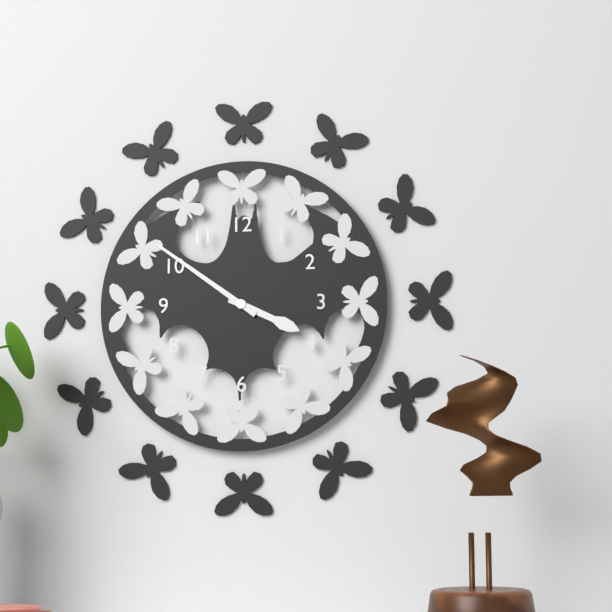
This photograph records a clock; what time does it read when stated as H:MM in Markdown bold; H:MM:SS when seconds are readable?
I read **3:51**
